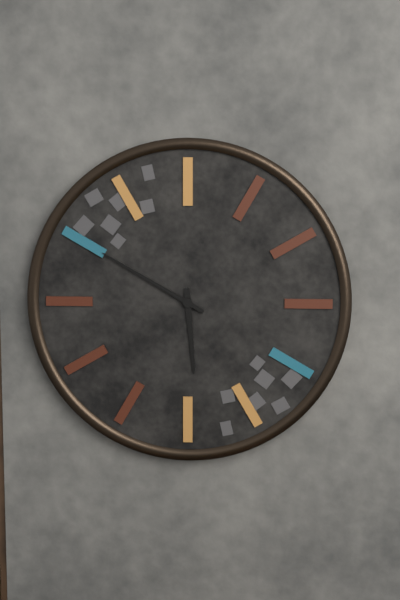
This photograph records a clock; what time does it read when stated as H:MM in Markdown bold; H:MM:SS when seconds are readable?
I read **5:50**
